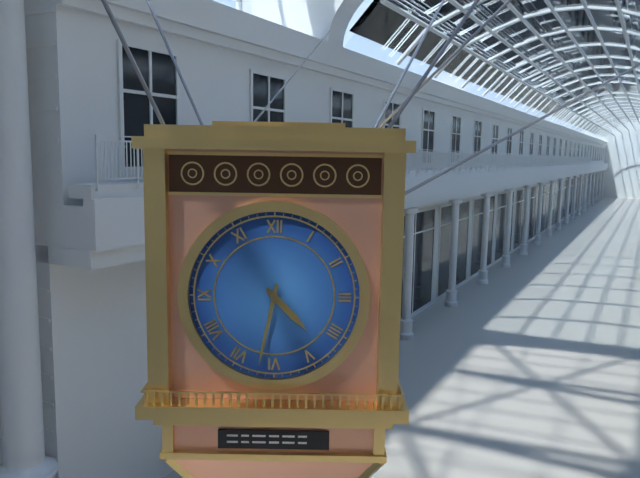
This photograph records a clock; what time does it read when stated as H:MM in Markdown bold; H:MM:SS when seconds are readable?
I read **4:32**
